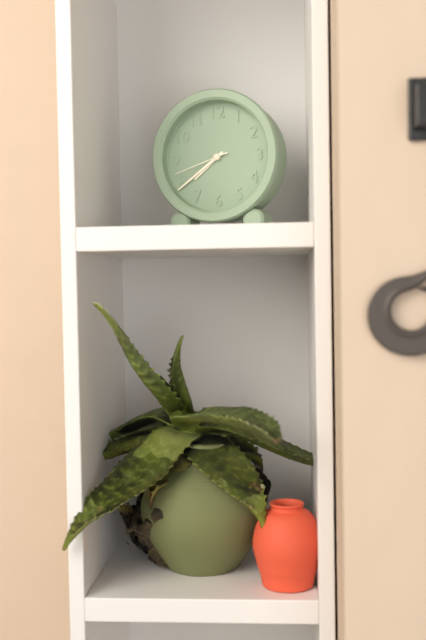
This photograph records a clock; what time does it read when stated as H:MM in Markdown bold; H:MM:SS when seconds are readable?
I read **7:39:42**
